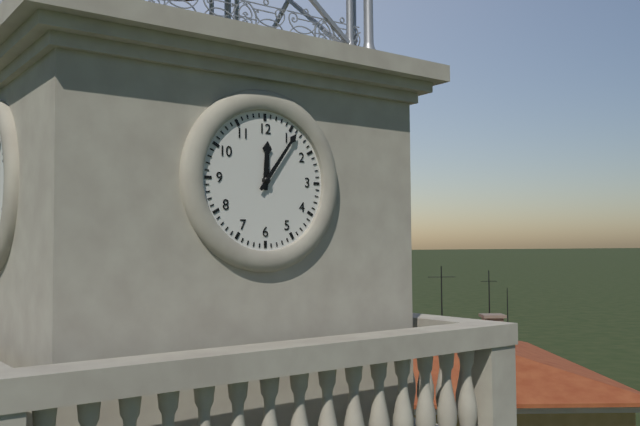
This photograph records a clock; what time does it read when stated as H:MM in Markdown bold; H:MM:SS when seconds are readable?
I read **12:06**
